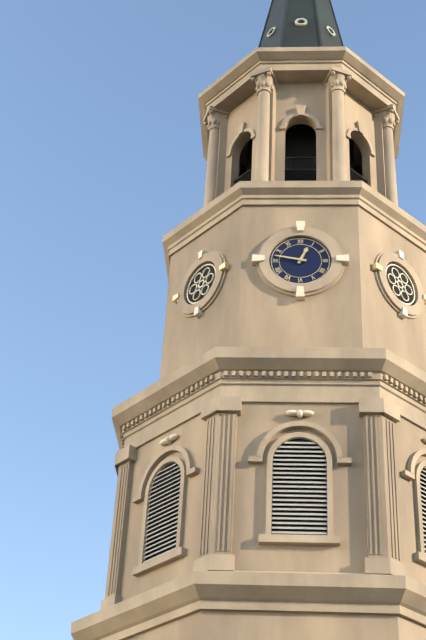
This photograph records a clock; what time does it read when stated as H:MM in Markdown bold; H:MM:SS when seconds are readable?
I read **12:47**
